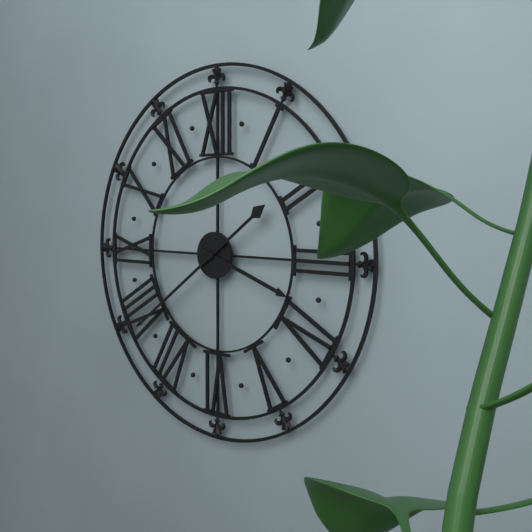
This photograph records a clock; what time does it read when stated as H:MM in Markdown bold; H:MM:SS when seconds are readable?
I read **3:39**
